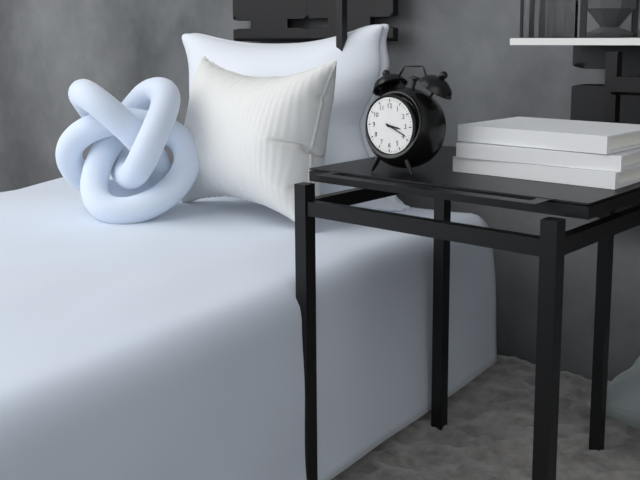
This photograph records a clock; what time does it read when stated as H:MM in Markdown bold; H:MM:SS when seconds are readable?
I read **3:19**
